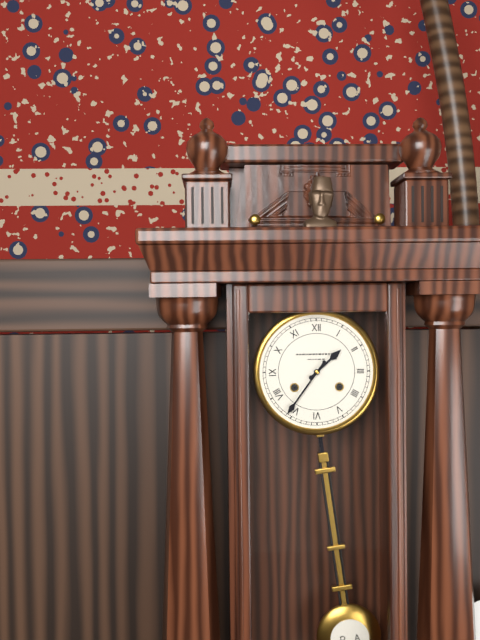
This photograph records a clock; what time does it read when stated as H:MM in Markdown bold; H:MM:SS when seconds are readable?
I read **1:36**
